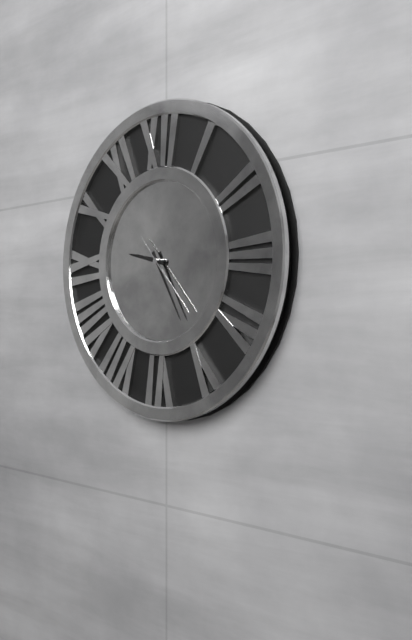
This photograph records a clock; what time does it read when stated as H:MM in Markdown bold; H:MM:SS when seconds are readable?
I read **9:25:23**
